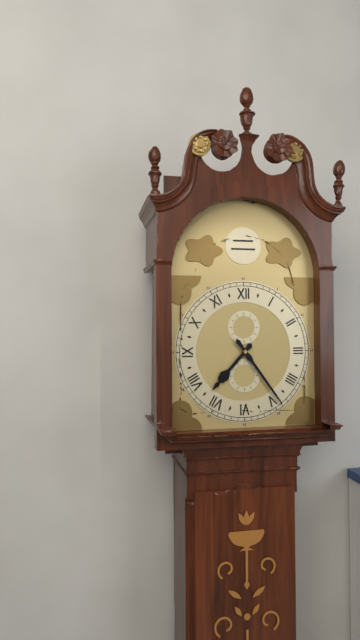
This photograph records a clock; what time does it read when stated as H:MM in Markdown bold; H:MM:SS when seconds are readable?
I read **7:24**
